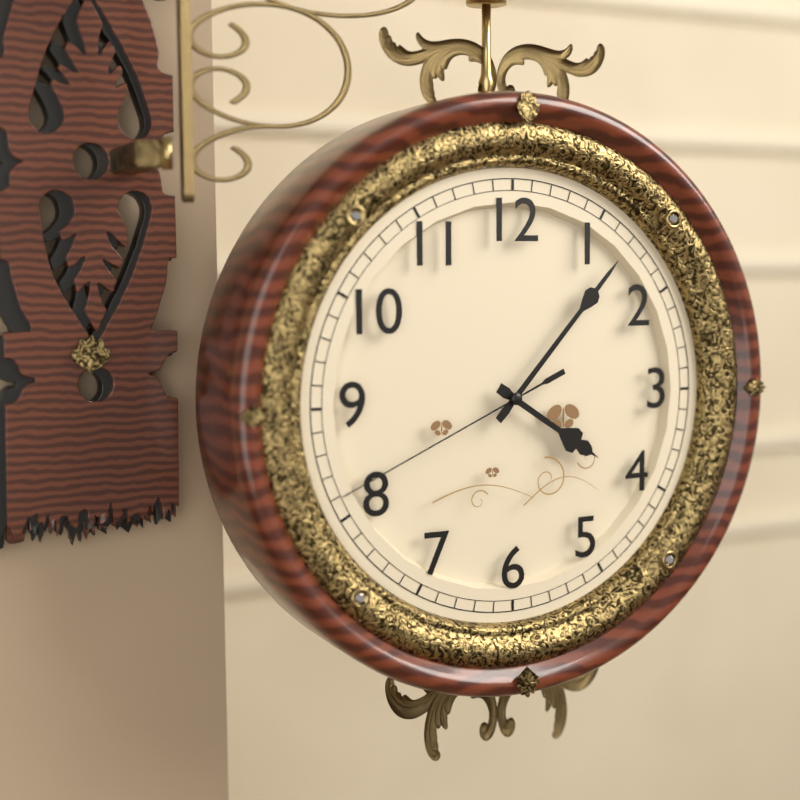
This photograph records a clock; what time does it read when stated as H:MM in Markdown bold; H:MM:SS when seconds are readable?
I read **4:07:41**
